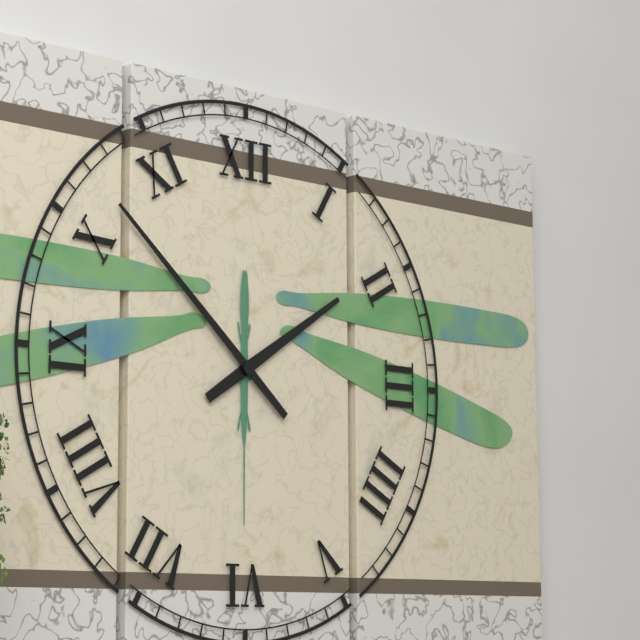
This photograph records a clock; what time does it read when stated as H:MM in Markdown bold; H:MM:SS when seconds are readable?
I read **1:52**
